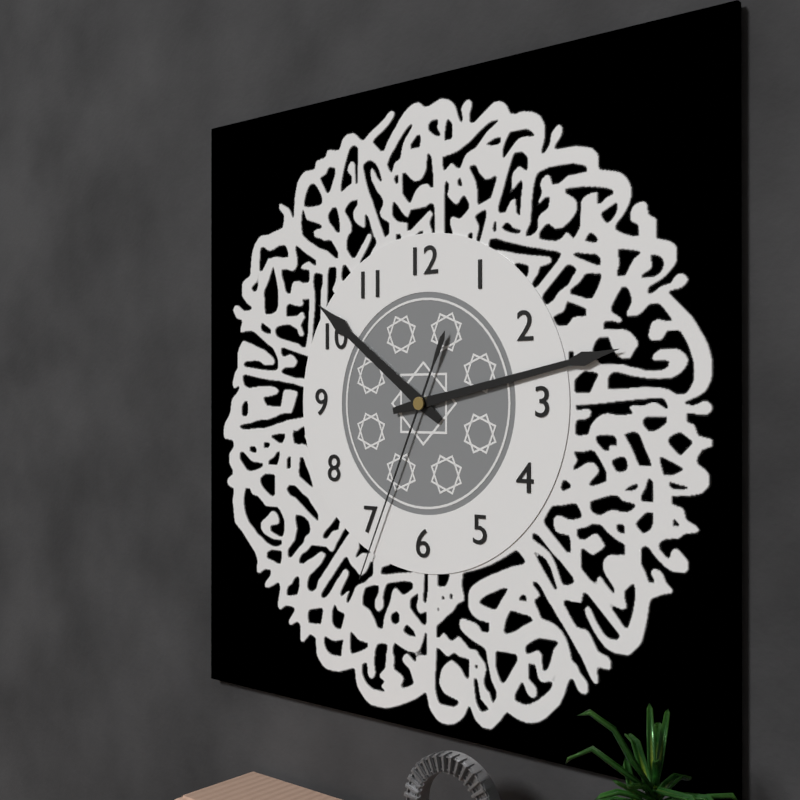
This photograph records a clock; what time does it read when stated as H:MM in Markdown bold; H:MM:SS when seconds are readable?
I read **10:13:34**
